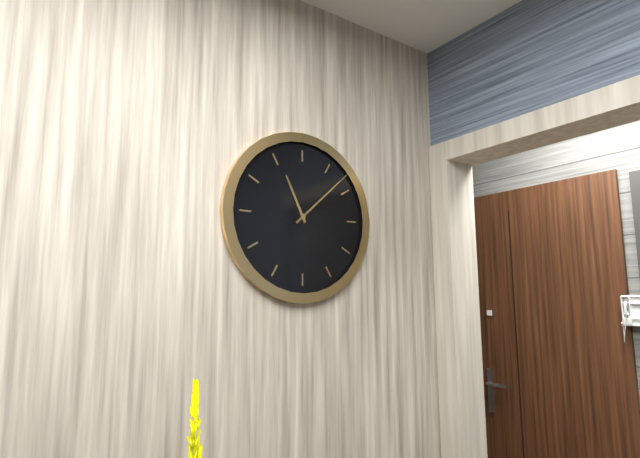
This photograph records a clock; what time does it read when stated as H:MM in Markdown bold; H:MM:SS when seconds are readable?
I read **11:08**
